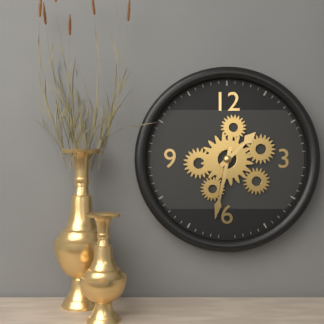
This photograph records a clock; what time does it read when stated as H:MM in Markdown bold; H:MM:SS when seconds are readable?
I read **1:32**
